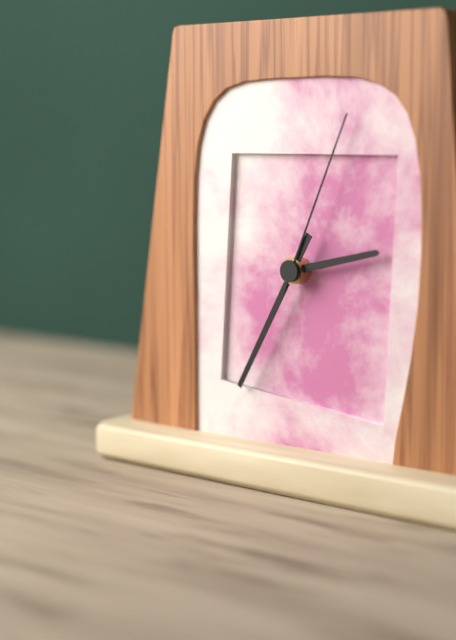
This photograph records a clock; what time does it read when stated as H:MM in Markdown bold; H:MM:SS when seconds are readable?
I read **2:35:04**
